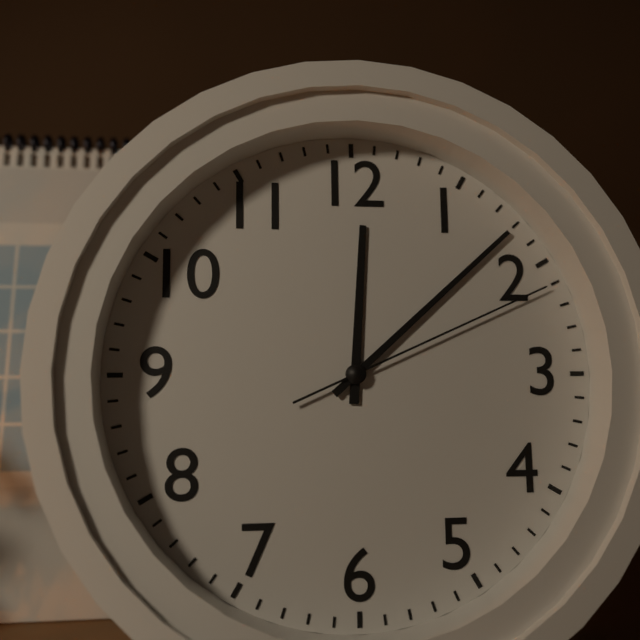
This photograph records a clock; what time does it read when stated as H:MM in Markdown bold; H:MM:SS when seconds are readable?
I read **12:08:11**
